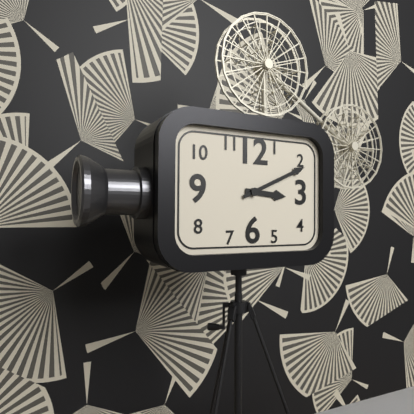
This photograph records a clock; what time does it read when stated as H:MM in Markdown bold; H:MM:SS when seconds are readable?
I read **3:11**
